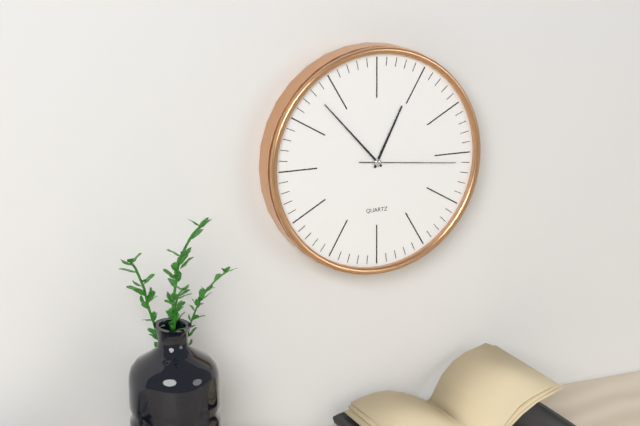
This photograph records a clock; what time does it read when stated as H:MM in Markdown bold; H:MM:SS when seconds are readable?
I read **12:53:16**
